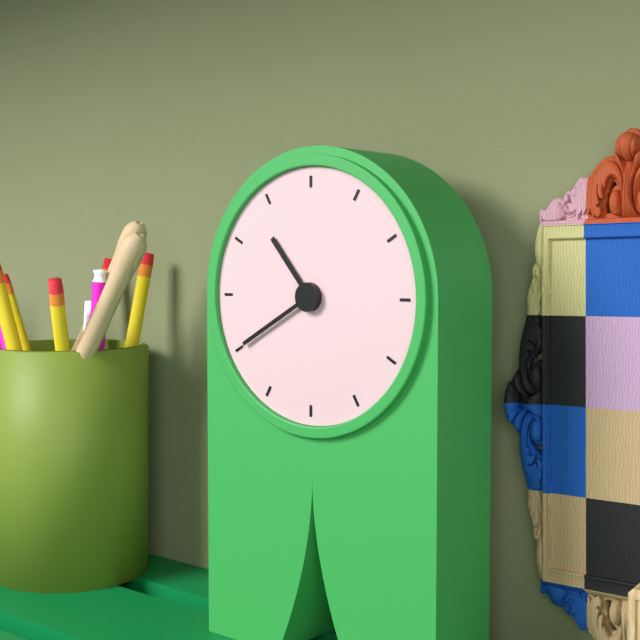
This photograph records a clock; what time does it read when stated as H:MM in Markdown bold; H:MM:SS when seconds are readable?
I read **10:40**
